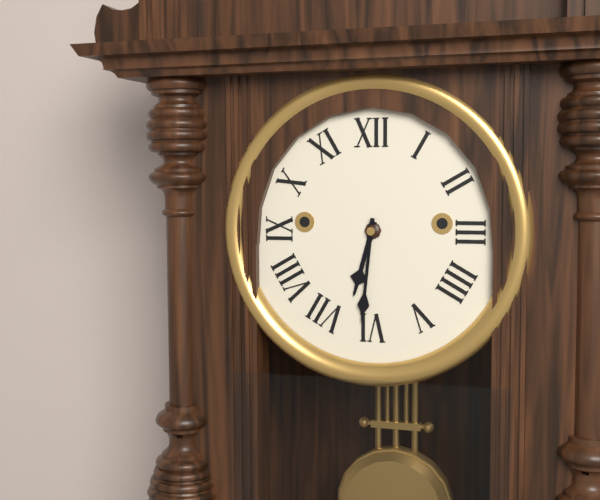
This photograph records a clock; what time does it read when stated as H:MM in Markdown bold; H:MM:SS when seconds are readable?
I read **6:31**
